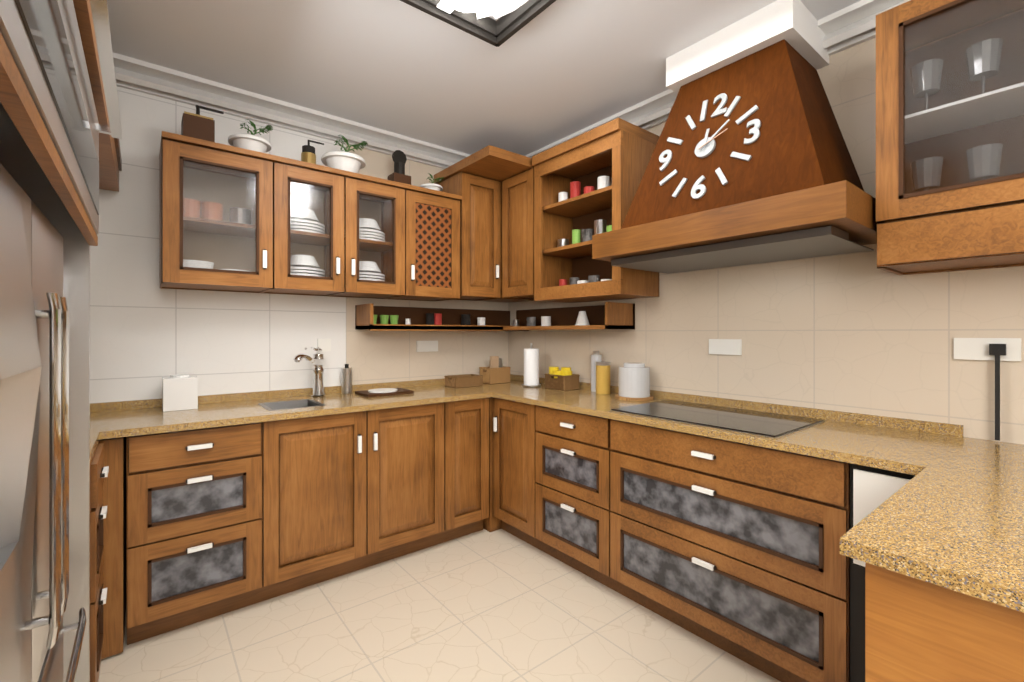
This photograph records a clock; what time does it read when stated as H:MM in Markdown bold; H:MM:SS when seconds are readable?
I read **12:08**
